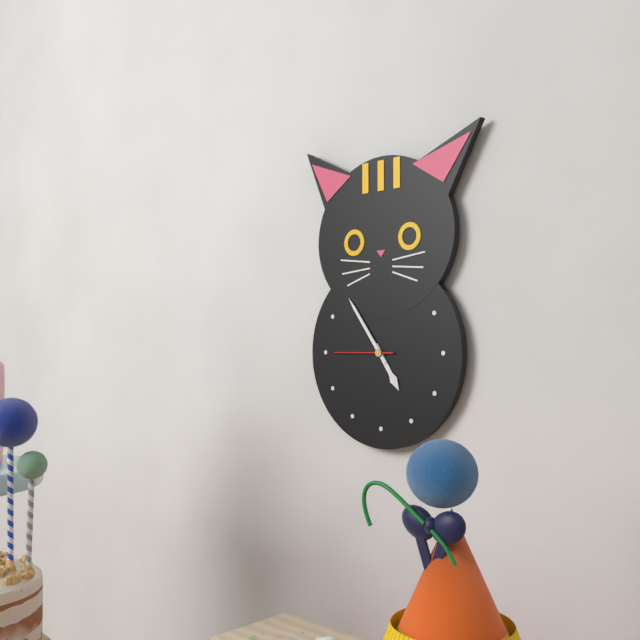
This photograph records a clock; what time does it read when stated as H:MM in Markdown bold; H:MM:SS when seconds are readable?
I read **4:54:45**
